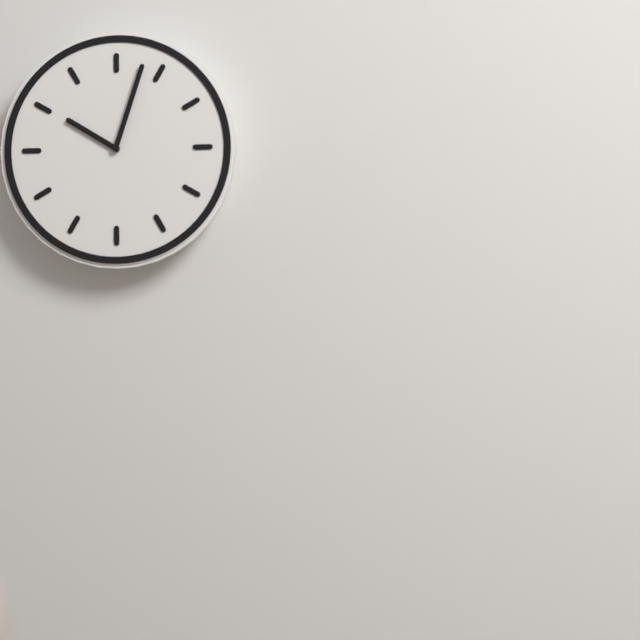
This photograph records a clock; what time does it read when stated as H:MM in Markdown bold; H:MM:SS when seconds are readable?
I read **10:03**
